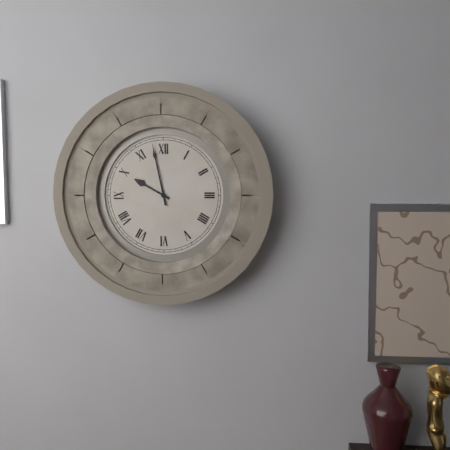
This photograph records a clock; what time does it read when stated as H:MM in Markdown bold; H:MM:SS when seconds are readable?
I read **9:58**
